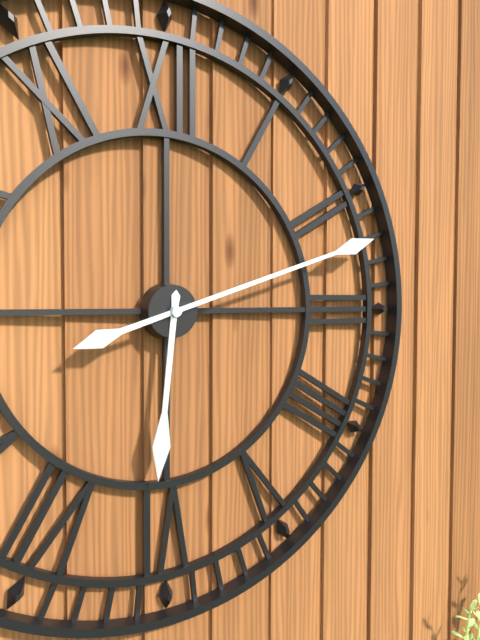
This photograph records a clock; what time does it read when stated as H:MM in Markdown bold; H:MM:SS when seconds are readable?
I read **6:12**
